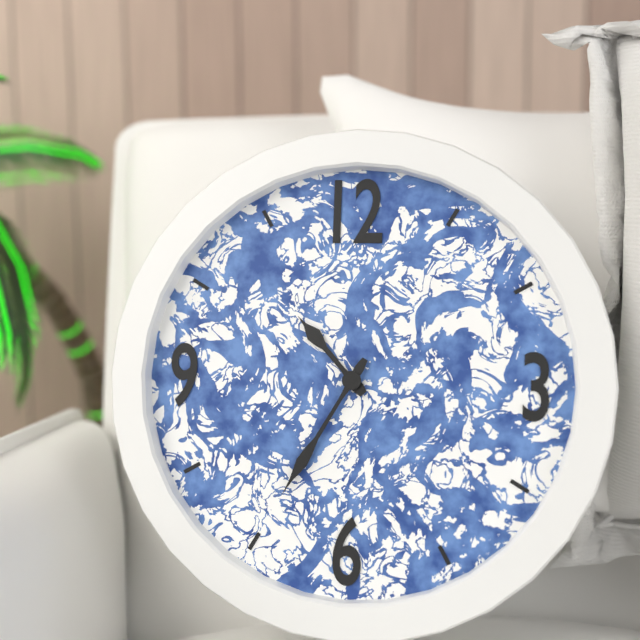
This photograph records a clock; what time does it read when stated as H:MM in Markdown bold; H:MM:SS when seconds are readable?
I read **10:35**
